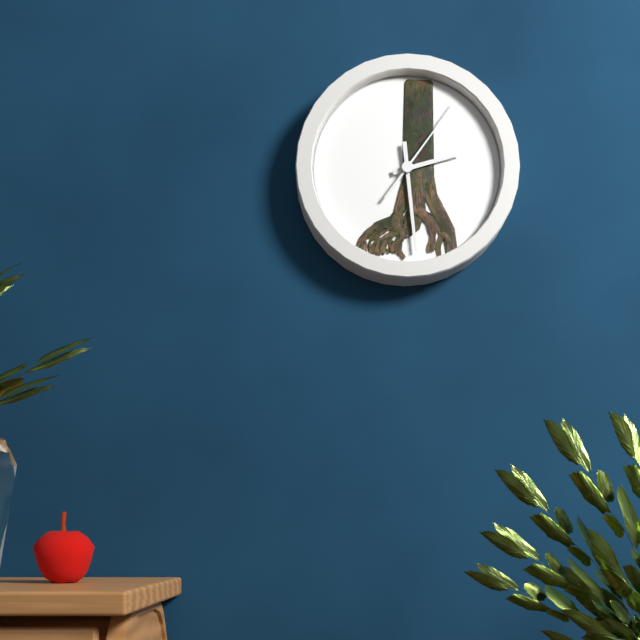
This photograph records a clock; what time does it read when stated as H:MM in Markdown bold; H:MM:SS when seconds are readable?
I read **2:29:06**
